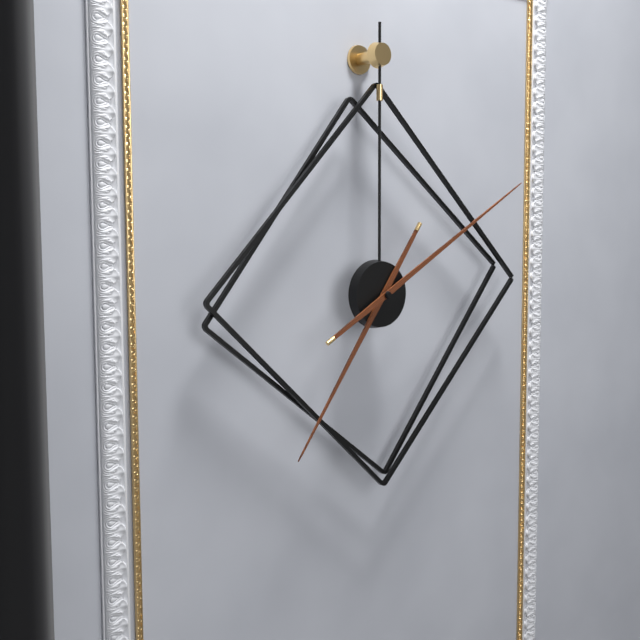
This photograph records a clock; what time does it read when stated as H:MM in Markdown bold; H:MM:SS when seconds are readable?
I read **7:10**
